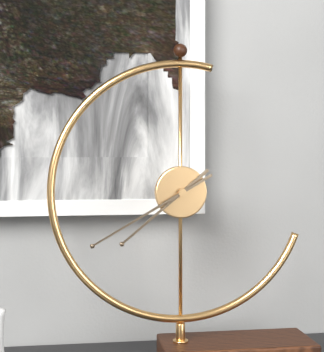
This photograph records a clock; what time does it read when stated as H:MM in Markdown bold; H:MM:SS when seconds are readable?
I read **7:40**
